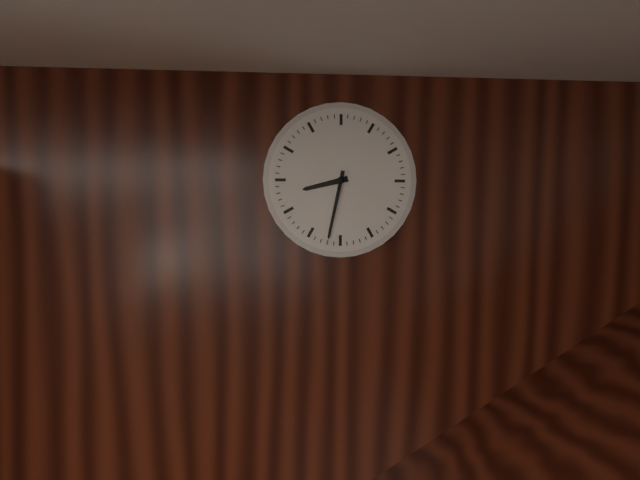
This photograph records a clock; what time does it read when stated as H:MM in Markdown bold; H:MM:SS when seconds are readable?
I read **8:32**
